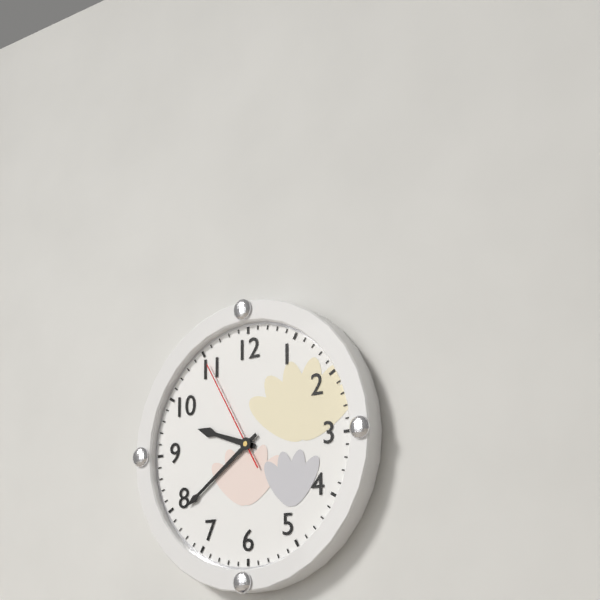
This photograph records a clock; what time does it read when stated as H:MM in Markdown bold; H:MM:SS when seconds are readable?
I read **9:39:55**
